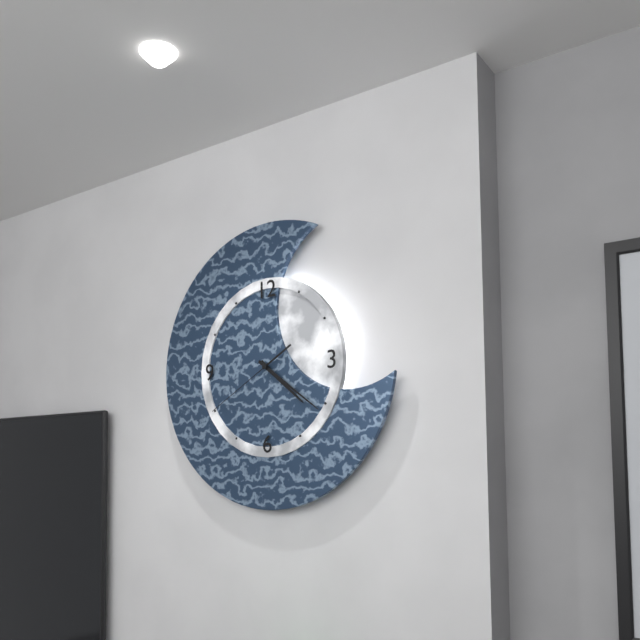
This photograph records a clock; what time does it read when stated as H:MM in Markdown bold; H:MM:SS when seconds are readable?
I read **4:21:40**
